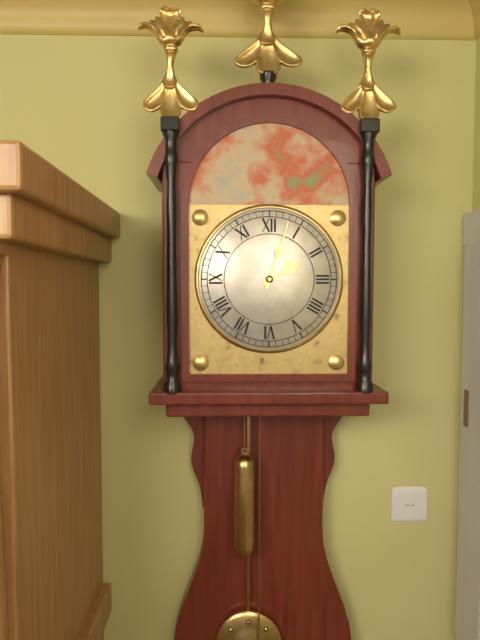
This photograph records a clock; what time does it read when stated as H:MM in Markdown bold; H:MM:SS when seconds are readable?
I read **2:03**
